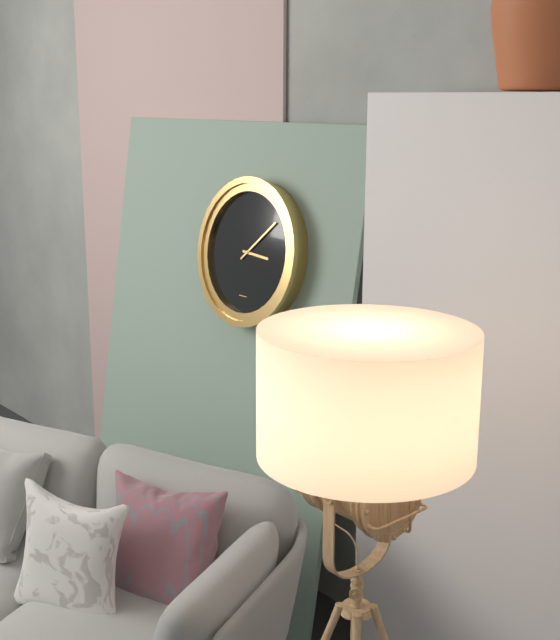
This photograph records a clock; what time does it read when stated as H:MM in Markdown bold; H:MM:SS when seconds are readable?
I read **3:08**
